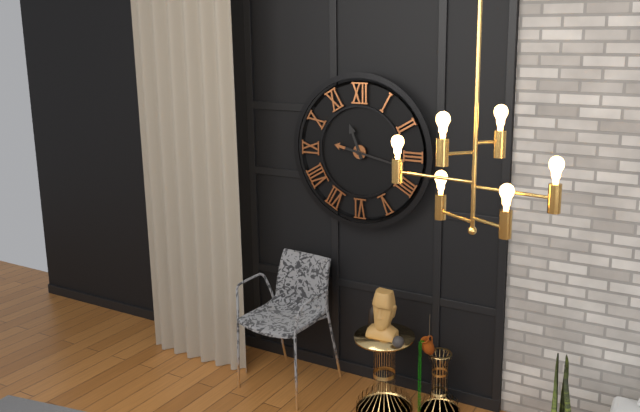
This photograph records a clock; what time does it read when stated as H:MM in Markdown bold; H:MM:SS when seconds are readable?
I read **11:17**
